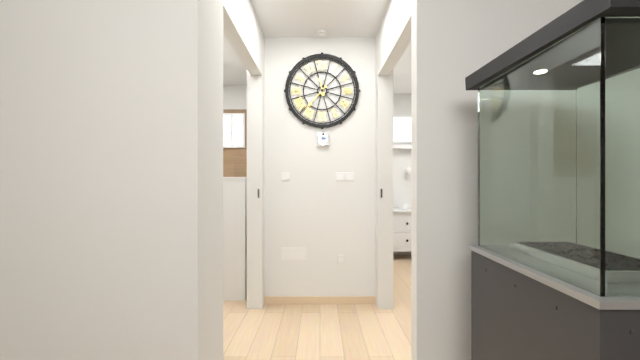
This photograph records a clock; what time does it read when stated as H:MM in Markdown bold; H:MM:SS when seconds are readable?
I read **11:37**
